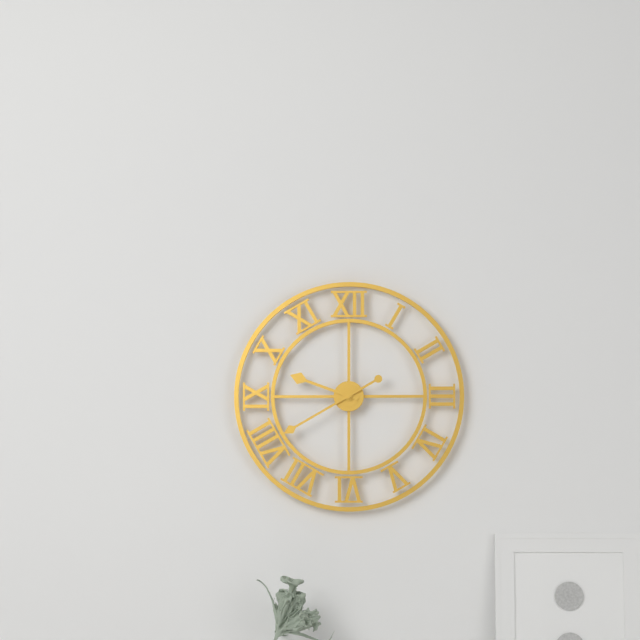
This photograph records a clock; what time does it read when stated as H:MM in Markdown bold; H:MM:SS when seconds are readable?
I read **9:40**
